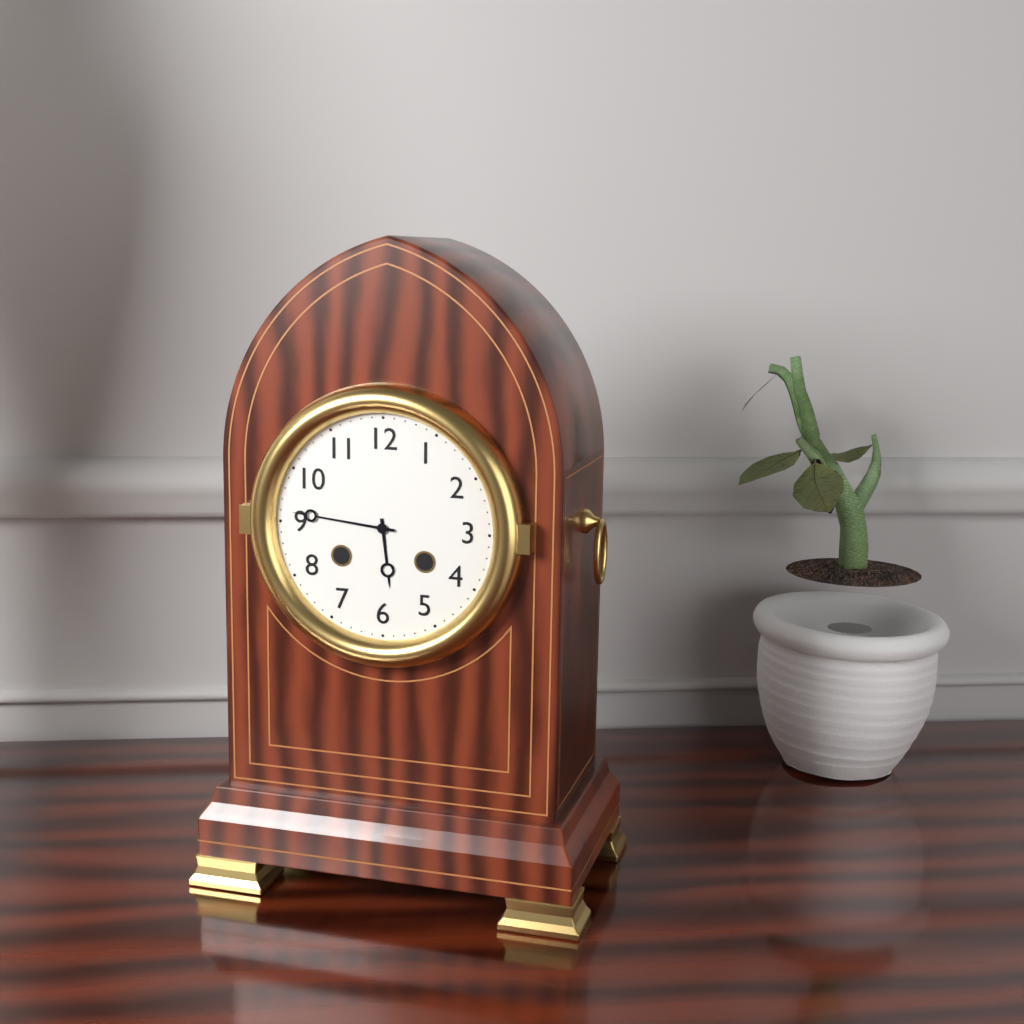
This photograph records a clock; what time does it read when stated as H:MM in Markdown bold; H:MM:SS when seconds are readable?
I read **5:46**
